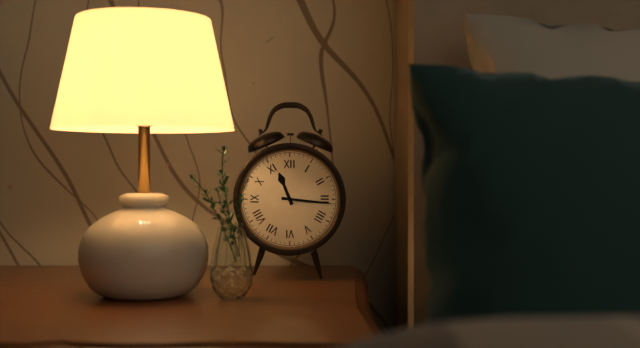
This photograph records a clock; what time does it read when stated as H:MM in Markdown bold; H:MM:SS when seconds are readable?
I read **11:16**
